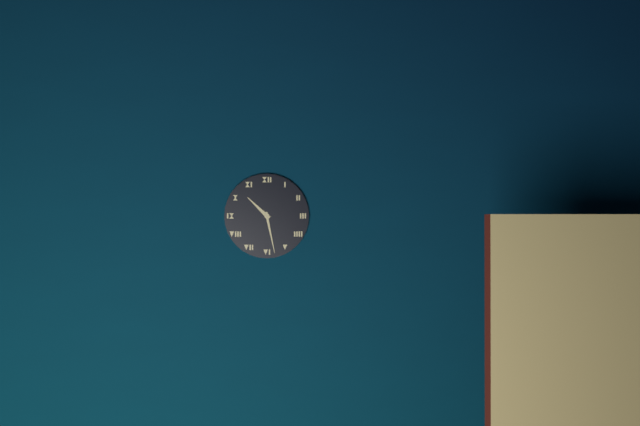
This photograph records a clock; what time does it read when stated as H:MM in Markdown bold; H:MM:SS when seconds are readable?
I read **10:28**
